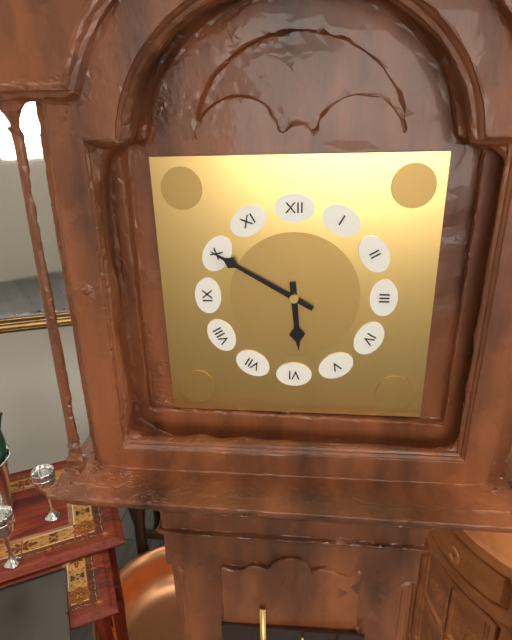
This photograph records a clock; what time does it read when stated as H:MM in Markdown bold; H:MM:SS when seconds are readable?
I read **5:50**
